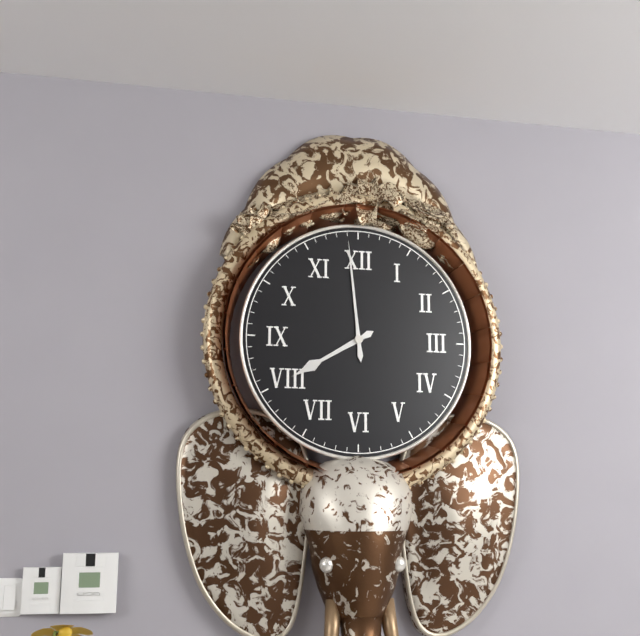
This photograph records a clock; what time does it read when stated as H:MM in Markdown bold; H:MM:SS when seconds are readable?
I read **7:59**
